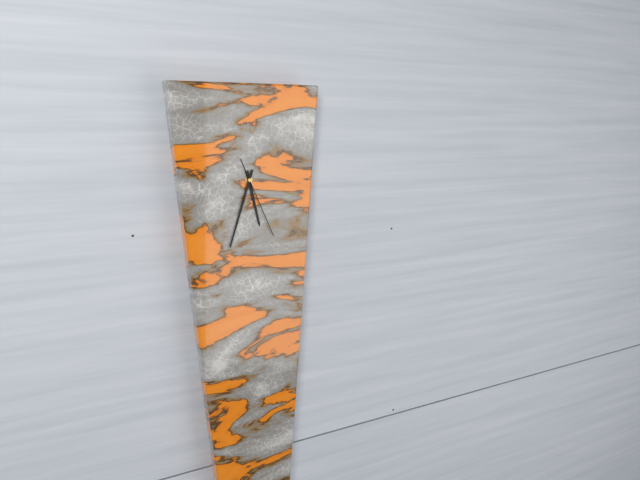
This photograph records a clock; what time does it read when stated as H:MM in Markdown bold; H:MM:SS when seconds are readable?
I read **5:33:26**
